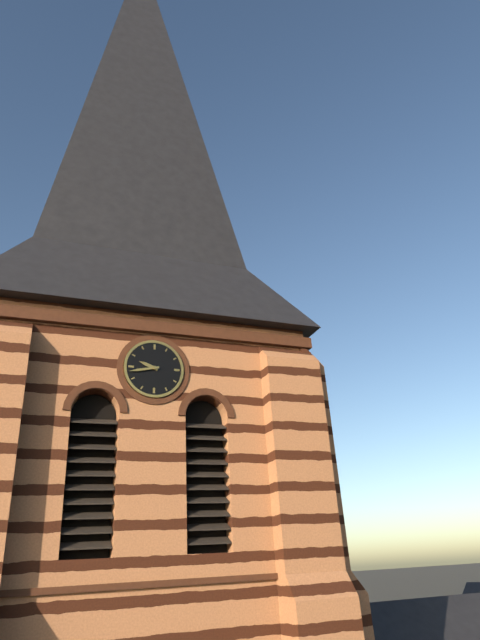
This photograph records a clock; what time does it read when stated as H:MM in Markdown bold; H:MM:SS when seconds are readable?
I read **9:43**
